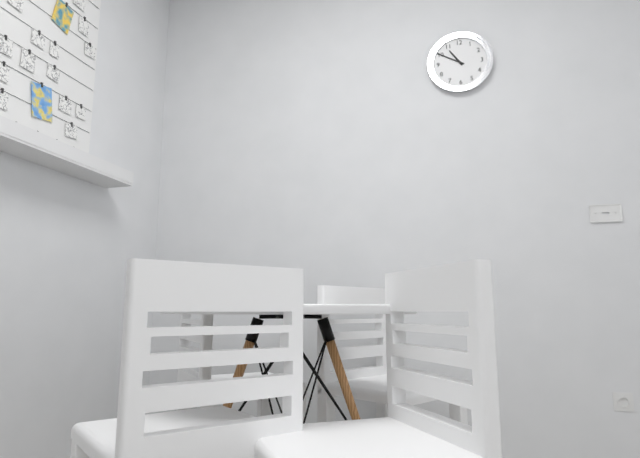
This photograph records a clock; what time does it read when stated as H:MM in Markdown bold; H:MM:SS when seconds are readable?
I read **10:50**
